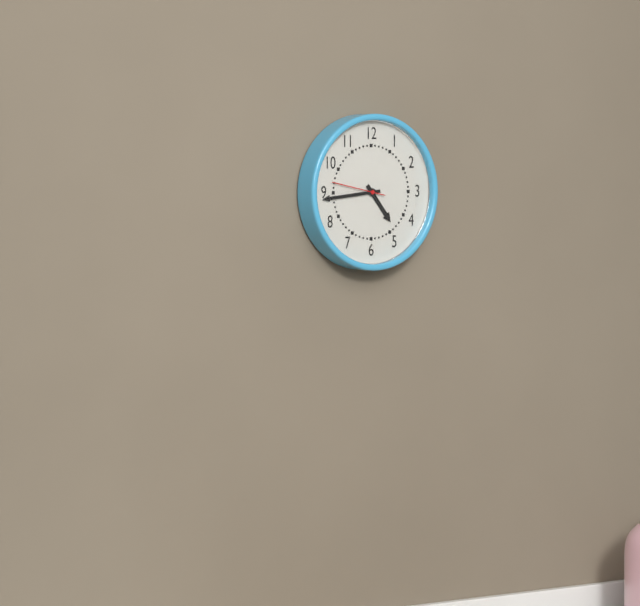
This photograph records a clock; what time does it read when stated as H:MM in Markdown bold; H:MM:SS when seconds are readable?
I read **4:44:47**
